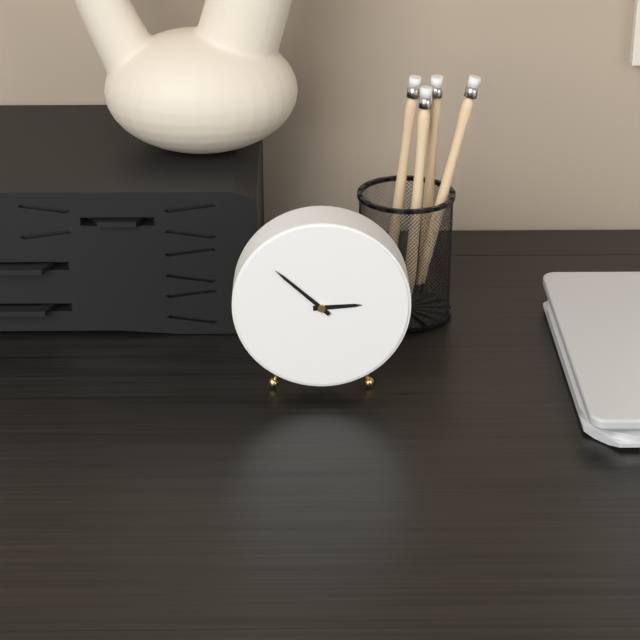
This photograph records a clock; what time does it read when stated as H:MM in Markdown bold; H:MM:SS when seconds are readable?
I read **2:52**
